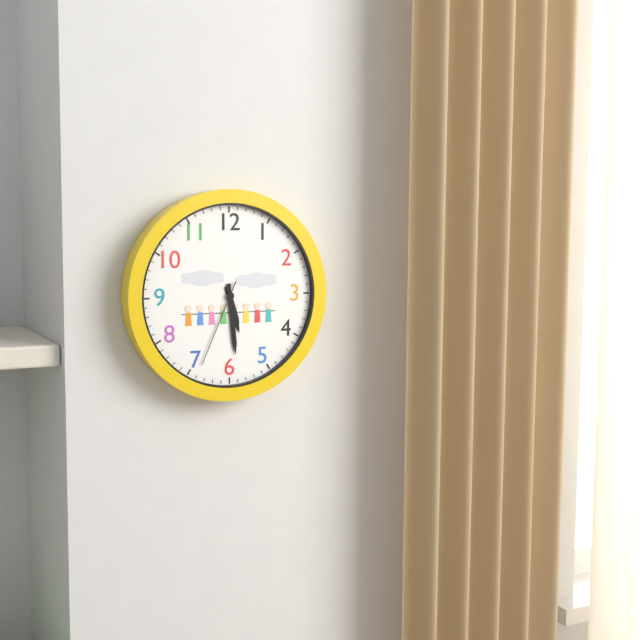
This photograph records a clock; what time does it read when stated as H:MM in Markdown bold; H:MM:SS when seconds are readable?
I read **5:29:34**
